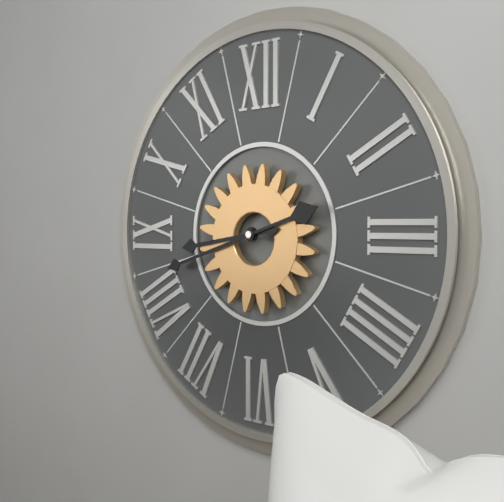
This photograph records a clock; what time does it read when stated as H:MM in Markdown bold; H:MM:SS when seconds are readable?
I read **8:42**
